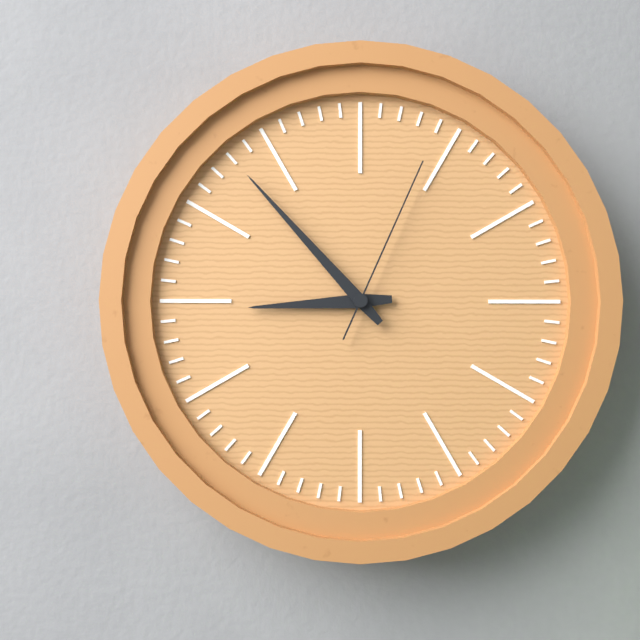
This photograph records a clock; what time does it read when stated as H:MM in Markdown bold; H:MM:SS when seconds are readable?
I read **8:53:04**
